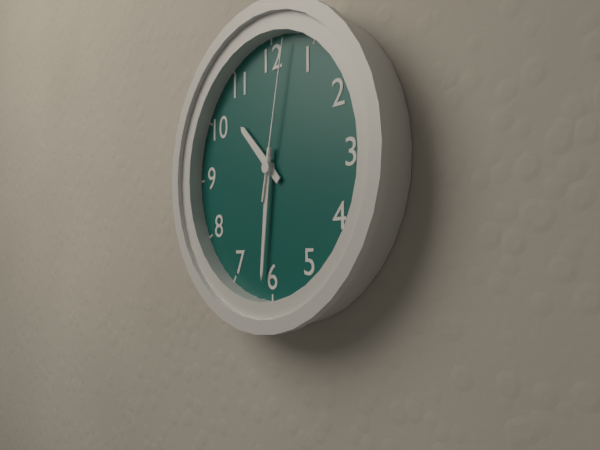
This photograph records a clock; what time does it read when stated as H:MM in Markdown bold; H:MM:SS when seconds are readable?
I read **10:31:02**
